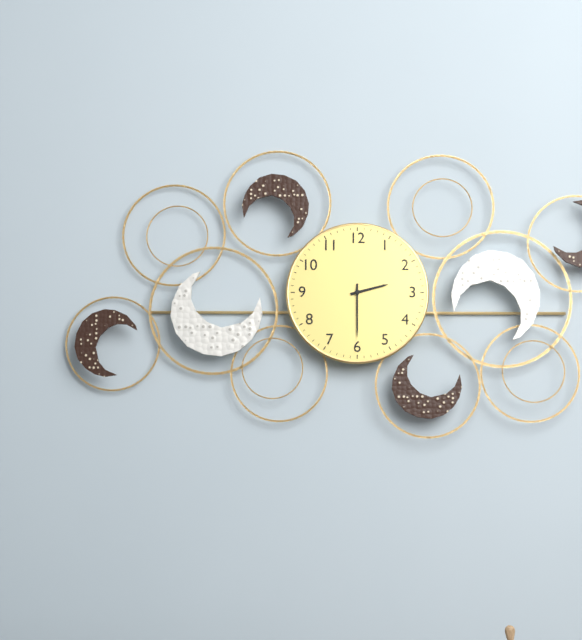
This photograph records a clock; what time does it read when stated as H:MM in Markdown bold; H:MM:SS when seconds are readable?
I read **2:30**
